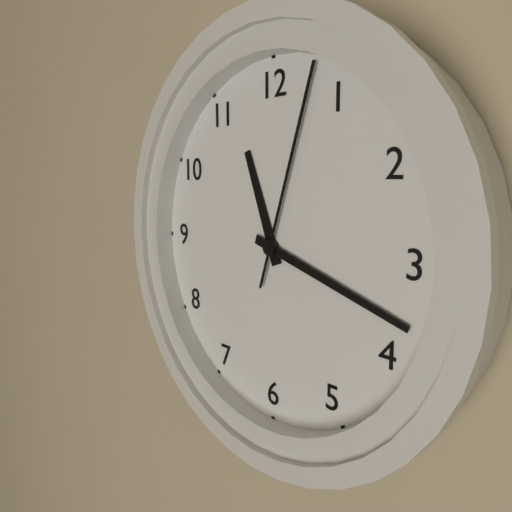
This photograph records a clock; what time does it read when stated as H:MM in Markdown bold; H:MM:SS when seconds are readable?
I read **11:18:03**
